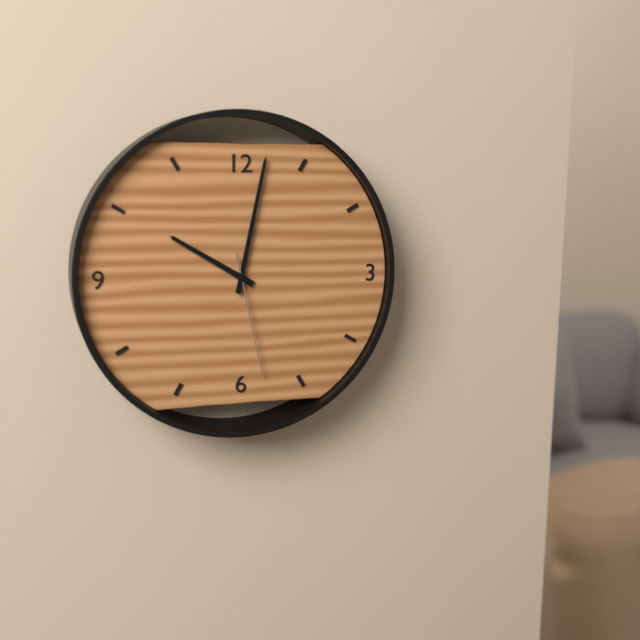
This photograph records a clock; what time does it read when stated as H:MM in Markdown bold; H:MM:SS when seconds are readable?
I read **10:02:28**
